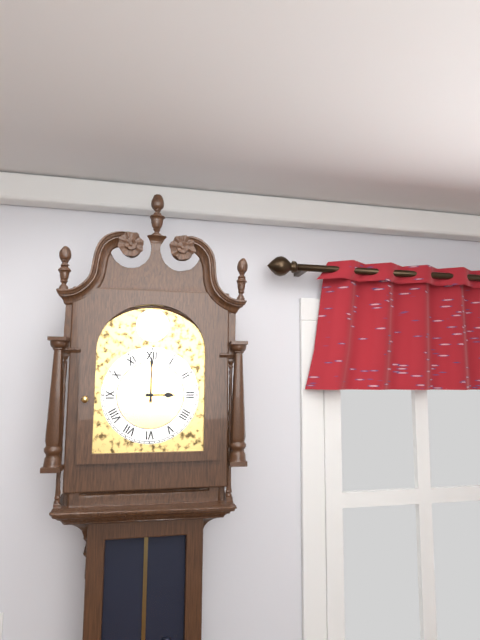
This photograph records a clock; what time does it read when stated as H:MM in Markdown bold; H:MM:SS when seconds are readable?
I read **3:00**
